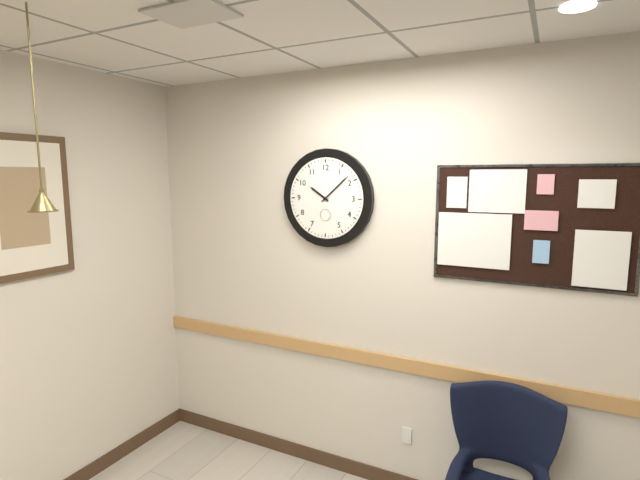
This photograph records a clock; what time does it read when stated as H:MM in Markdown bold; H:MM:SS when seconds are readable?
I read **10:08**
